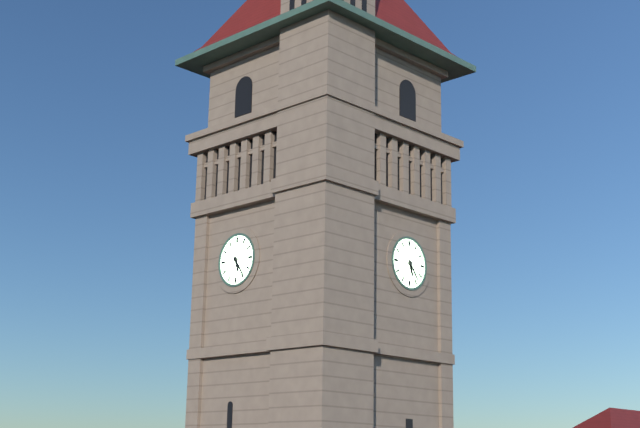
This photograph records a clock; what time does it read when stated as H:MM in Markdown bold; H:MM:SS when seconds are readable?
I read **5:24**
